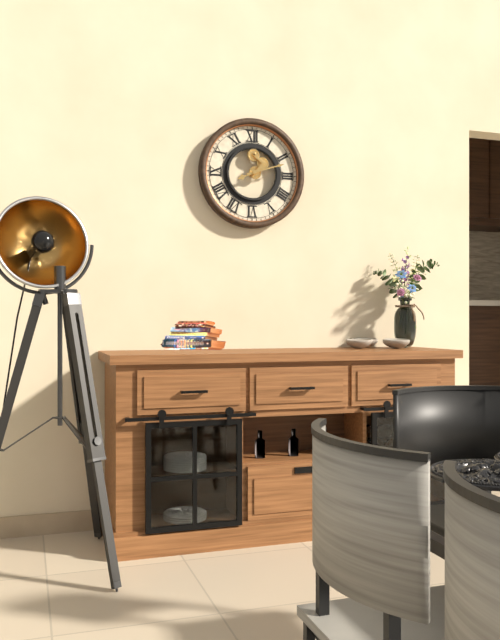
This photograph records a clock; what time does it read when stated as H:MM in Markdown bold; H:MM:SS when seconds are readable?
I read **8:12**
